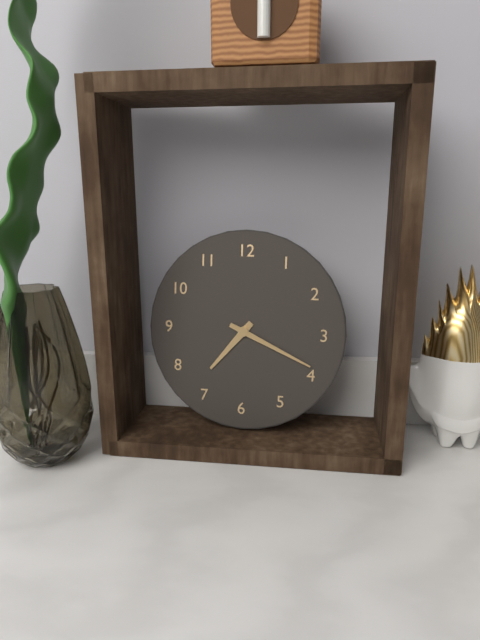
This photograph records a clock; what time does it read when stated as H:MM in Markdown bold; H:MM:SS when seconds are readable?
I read **7:19**
